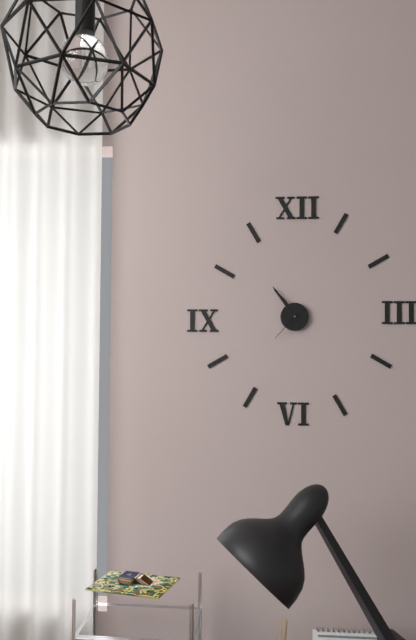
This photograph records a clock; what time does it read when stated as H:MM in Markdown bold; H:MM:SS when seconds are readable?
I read **10:54**
